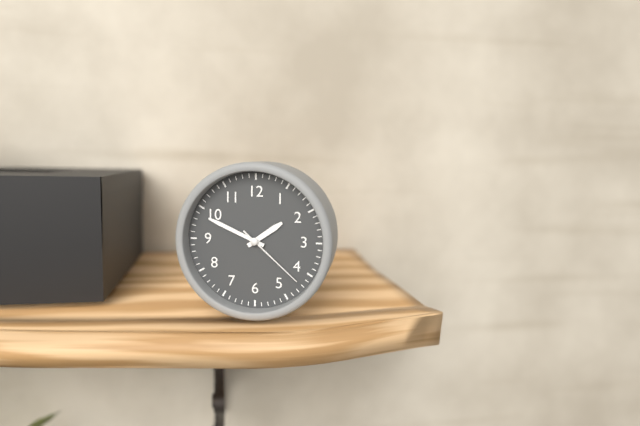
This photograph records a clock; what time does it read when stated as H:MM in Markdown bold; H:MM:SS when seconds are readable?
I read **1:49:22**
